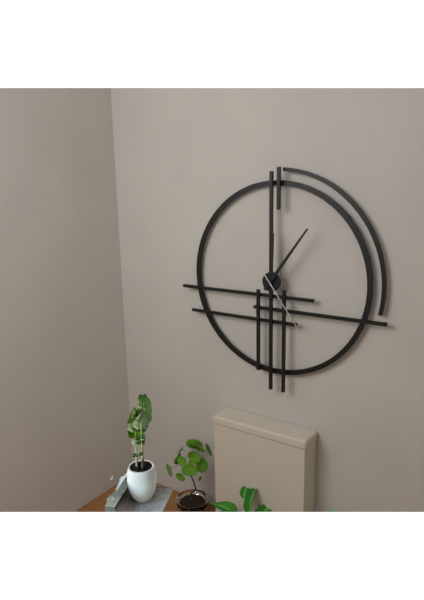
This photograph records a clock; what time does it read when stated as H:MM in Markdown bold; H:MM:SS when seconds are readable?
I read **12:06:24**
